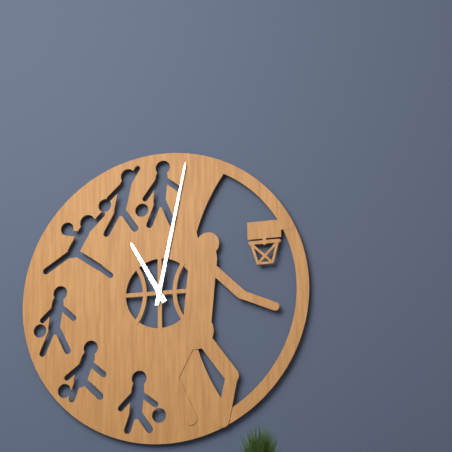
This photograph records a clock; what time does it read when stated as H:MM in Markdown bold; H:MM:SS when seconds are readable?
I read **11:02**
